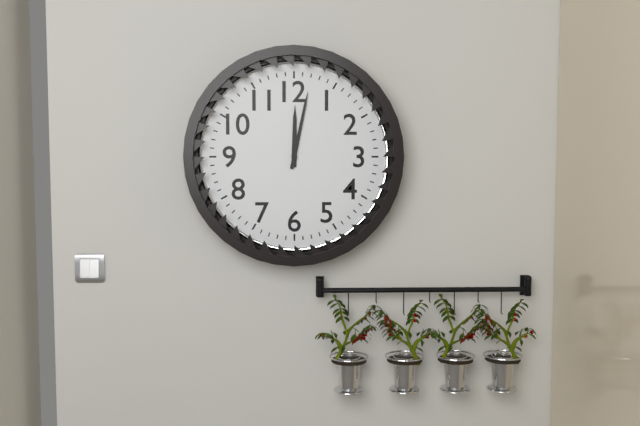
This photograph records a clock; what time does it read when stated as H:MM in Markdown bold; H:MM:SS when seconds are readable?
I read **12:02**
